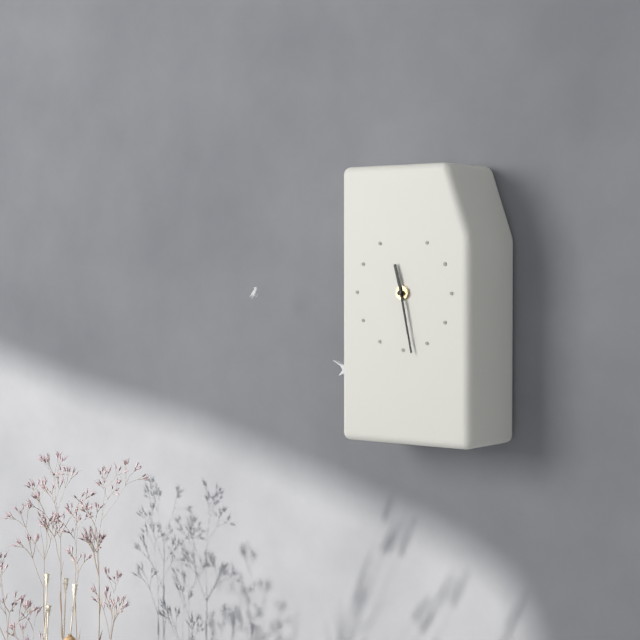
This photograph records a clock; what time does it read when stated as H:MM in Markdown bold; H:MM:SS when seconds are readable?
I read **11:28**
